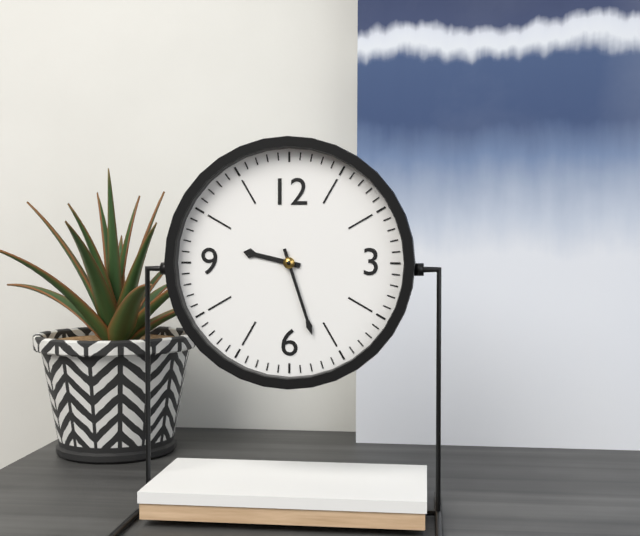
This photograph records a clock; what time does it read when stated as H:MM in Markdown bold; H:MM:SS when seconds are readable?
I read **9:27**
